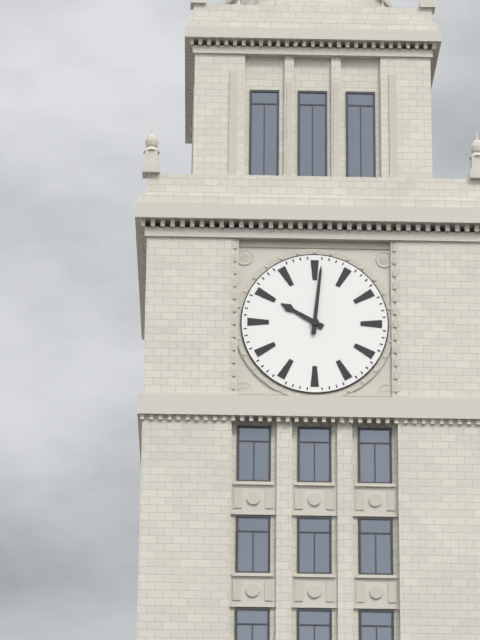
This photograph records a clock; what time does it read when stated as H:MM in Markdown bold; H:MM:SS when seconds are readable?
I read **10:01**
